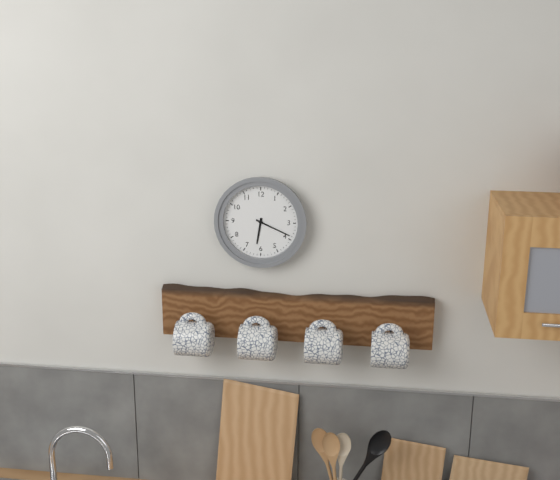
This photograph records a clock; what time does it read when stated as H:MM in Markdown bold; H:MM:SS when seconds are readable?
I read **6:19**
